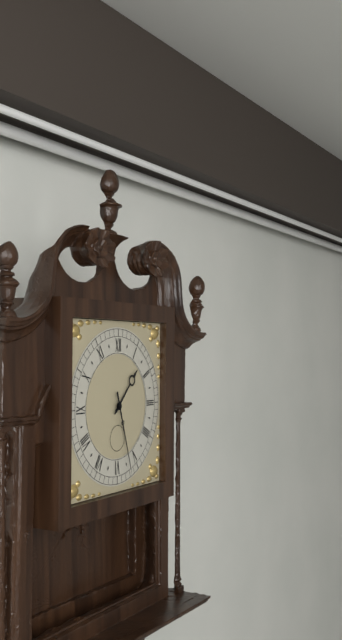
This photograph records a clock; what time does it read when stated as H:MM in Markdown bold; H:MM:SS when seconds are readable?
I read **1:27**
